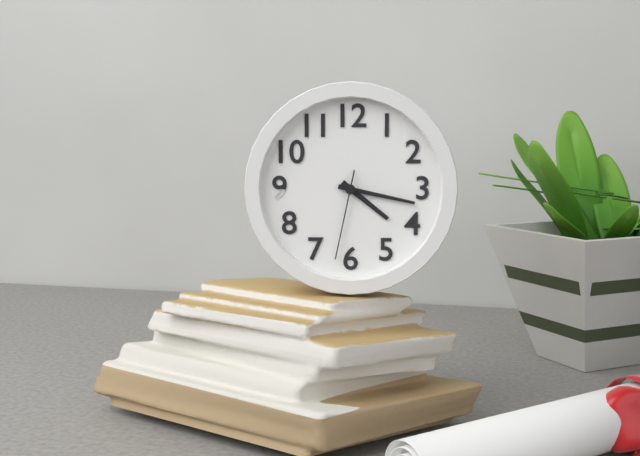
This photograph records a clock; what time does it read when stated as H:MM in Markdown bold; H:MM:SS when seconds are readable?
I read **4:17:32**
